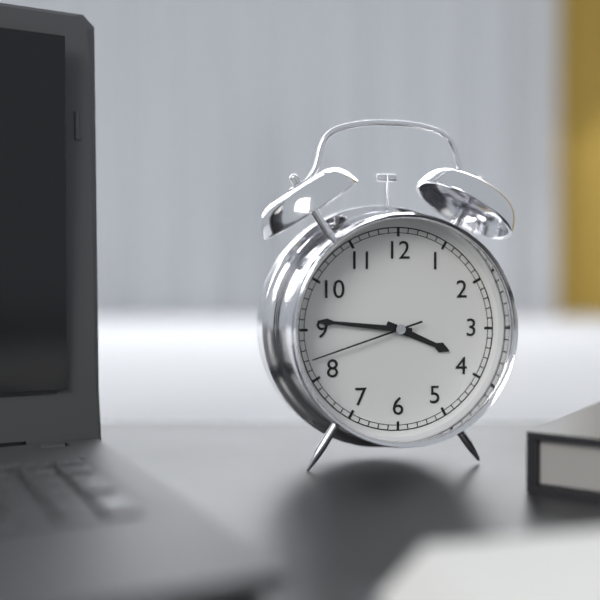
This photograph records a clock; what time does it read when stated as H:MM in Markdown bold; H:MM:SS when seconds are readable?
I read **3:46:42**
